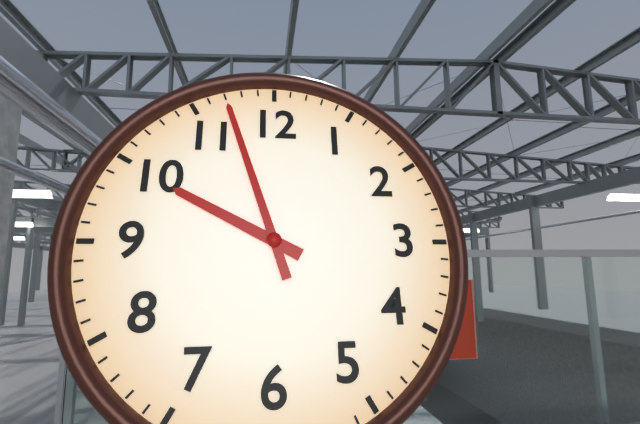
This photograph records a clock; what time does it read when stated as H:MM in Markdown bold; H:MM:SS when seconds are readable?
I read **9:57**
